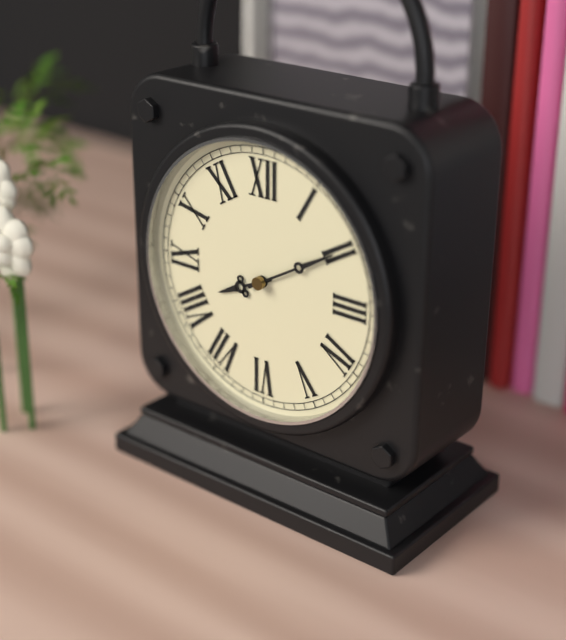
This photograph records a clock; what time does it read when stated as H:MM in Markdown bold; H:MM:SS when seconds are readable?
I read **8:10**
